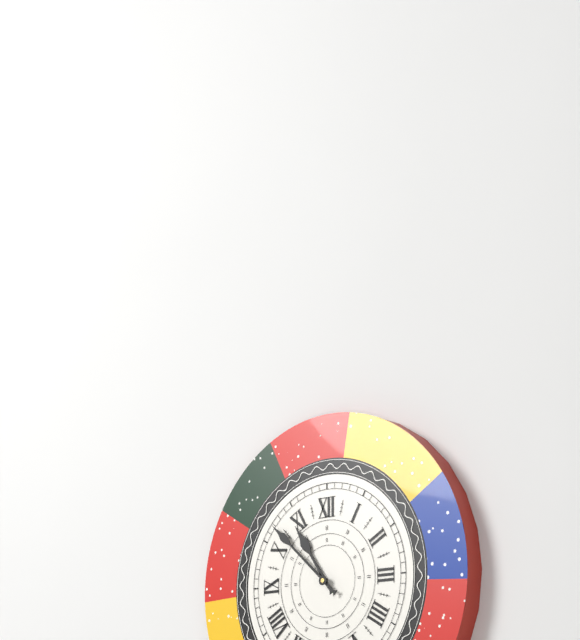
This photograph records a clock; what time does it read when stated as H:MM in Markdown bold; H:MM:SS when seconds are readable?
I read **10:52**
